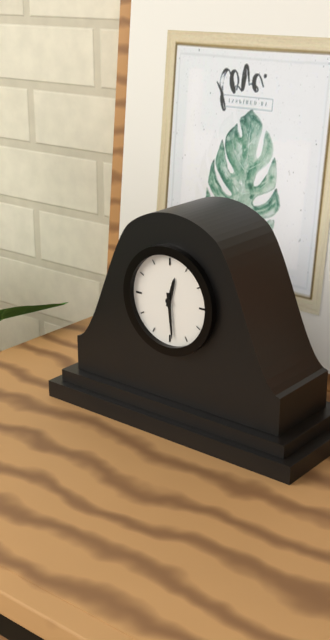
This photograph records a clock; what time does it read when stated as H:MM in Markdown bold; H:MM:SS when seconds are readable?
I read **12:29**
